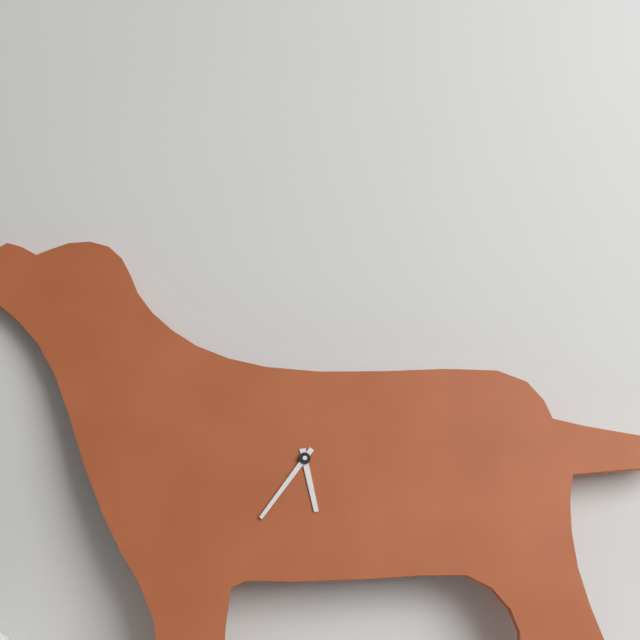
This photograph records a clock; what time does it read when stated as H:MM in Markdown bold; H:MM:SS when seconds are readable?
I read **5:36**
